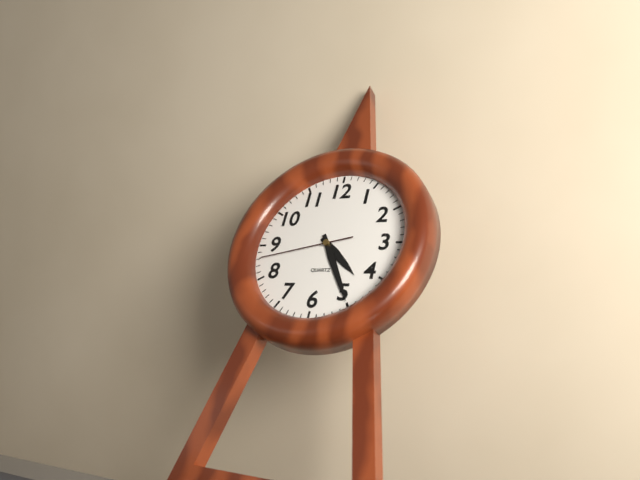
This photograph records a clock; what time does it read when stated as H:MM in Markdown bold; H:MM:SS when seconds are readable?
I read **4:25:43**
